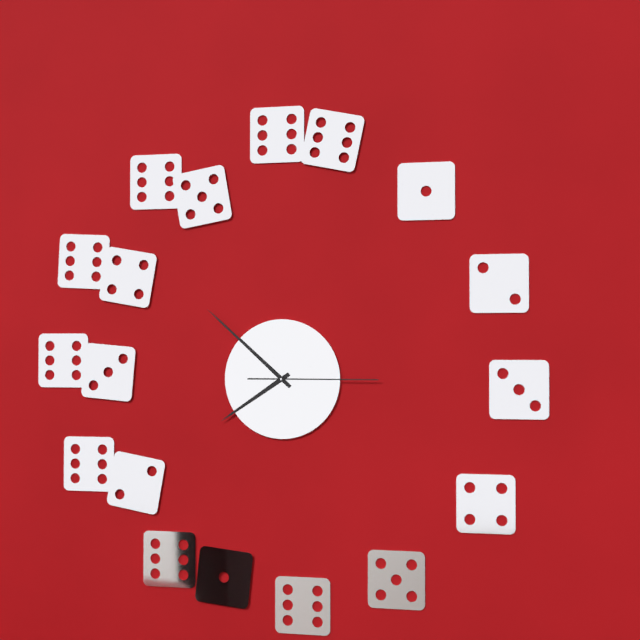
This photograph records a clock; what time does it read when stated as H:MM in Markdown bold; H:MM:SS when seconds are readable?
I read **7:52:15**
